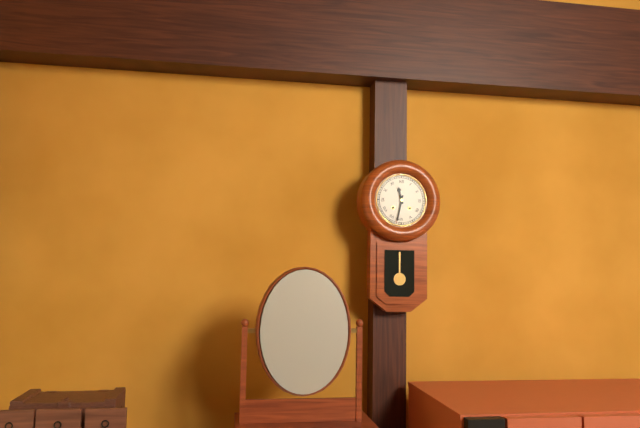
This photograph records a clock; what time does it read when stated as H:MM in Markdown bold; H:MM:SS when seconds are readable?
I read **11:32**
